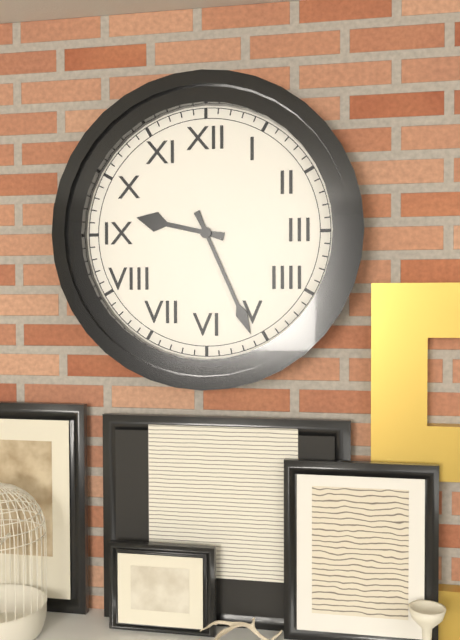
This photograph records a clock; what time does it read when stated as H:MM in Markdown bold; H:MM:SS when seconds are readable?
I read **9:26**
